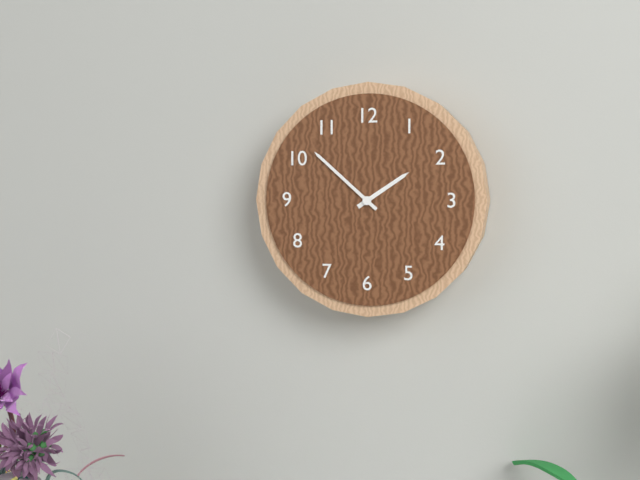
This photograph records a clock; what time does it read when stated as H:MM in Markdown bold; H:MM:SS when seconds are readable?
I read **1:52**
